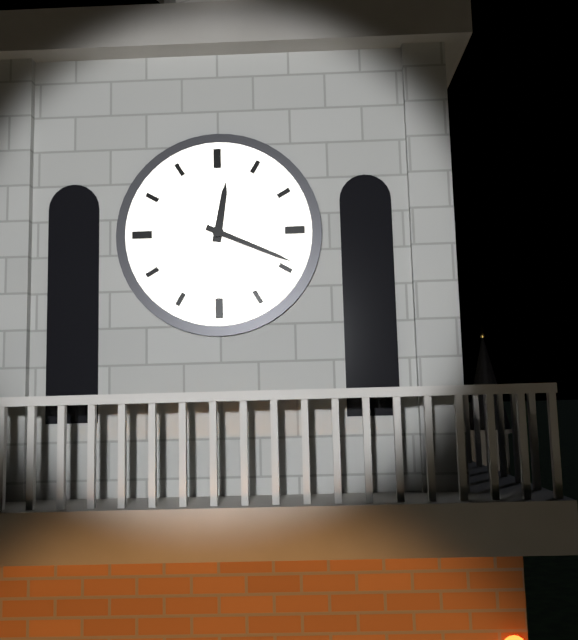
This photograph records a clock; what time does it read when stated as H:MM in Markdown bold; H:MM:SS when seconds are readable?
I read **12:19**
